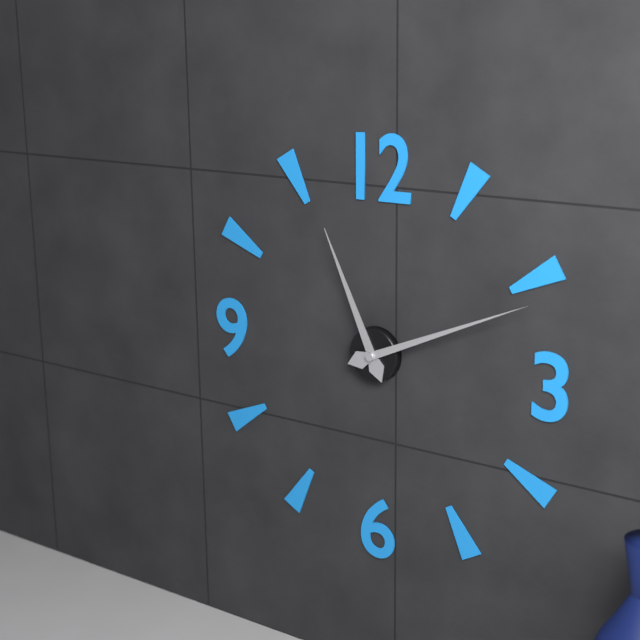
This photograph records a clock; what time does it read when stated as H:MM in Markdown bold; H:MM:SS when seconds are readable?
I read **11:11**
